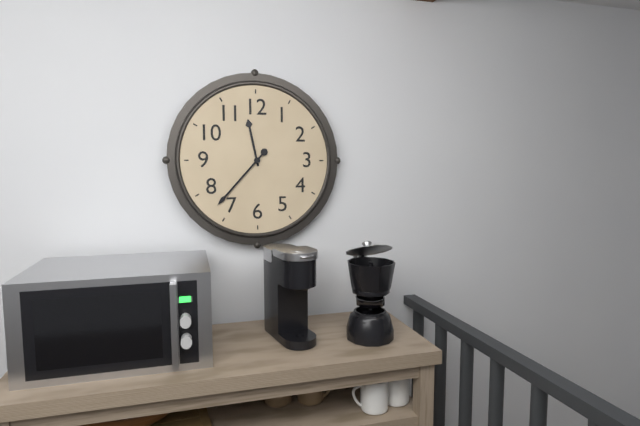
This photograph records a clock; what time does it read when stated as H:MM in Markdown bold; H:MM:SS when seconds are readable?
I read **11:37**
